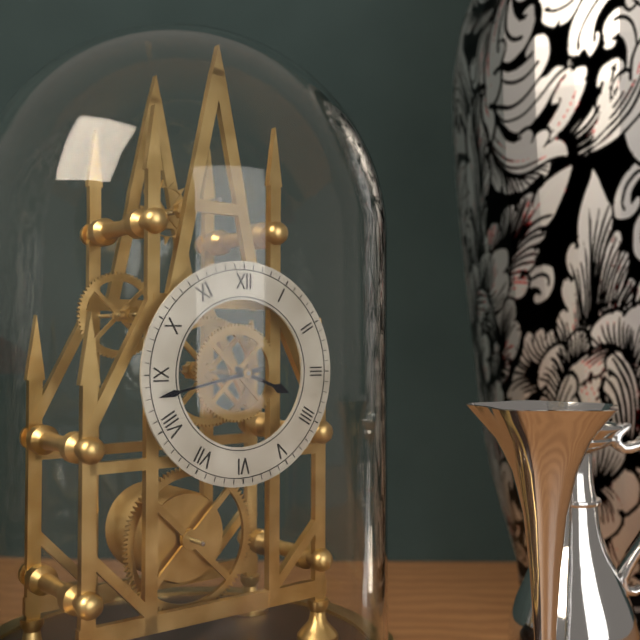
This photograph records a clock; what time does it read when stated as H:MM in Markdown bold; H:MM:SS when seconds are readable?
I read **3:43**
